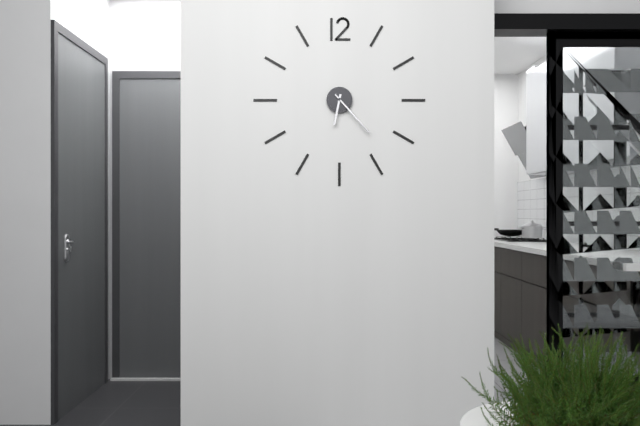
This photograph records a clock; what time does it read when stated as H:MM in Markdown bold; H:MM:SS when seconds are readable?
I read **6:23**
